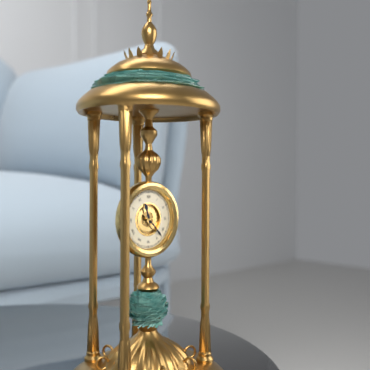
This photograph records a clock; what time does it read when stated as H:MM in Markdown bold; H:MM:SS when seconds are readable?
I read **11:23**
